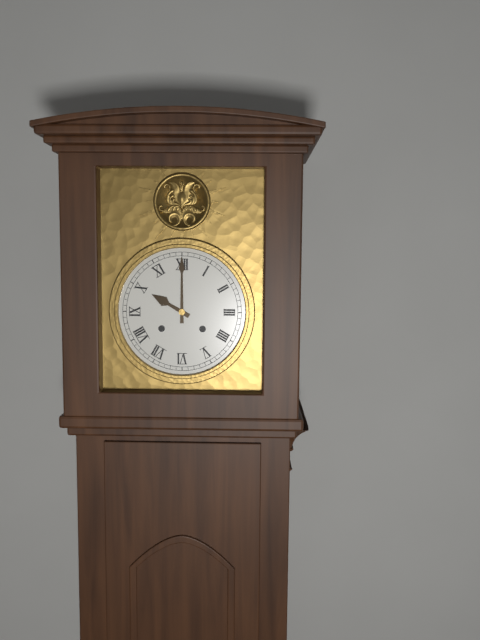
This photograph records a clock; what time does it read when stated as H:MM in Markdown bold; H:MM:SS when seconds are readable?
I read **10:00**
